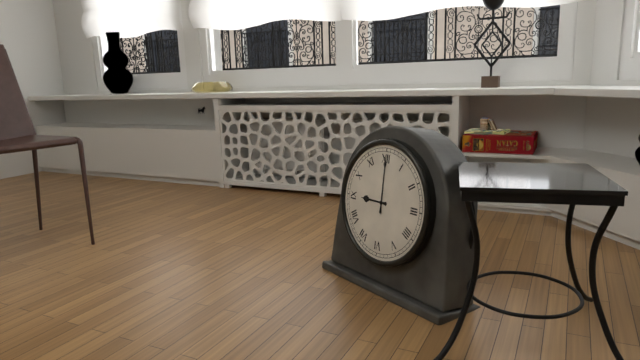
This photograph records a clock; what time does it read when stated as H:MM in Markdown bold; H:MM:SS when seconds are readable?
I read **9:00**
